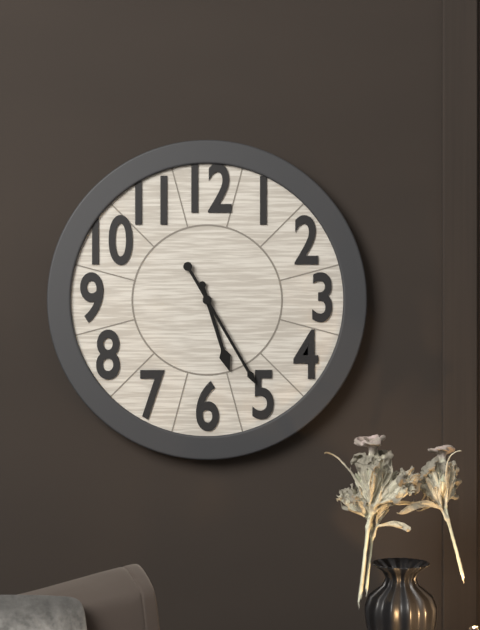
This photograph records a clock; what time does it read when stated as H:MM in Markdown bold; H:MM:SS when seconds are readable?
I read **5:25**
